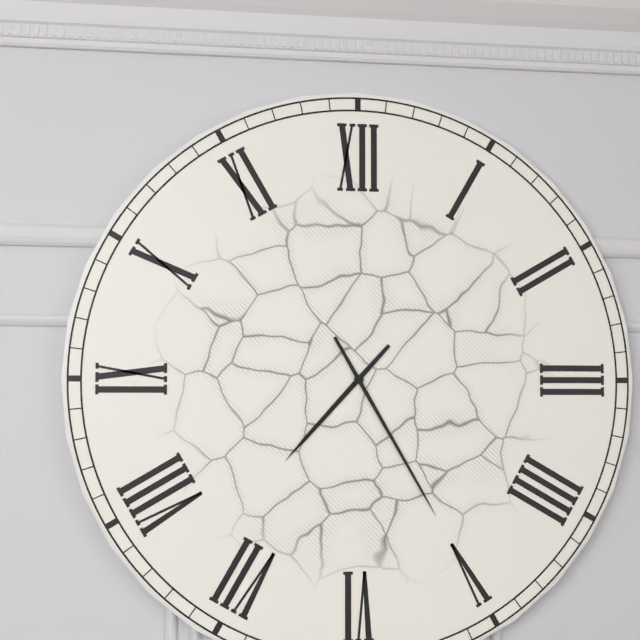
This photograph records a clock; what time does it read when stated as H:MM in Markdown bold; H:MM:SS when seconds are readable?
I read **7:25**
